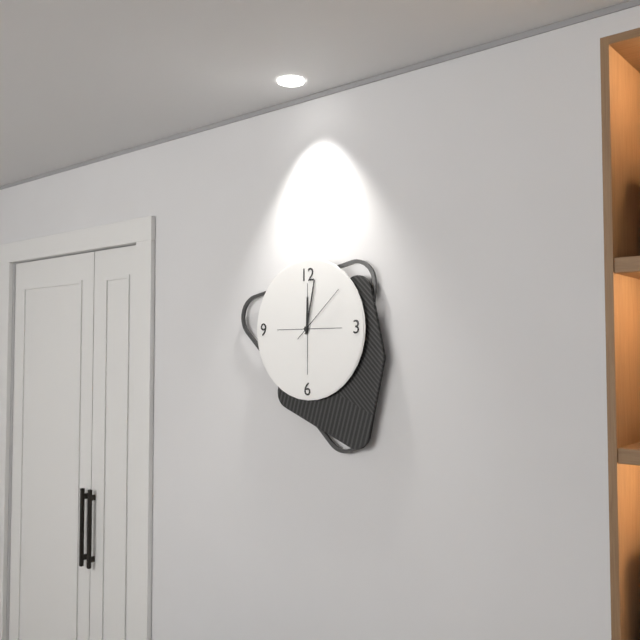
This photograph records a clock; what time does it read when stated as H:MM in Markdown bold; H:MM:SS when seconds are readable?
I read **12:02:08**
